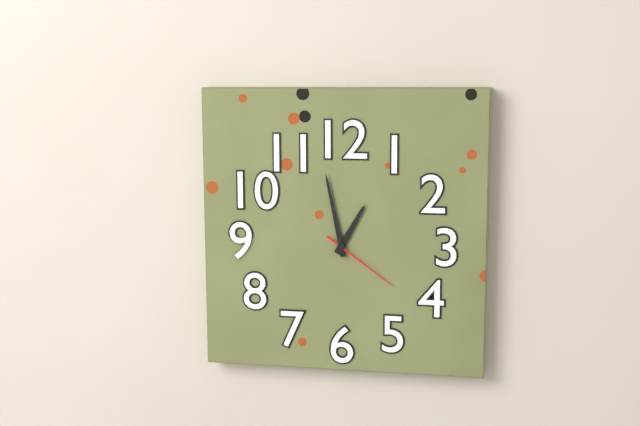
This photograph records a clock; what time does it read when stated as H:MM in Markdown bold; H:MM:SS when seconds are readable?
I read **12:58:21**
